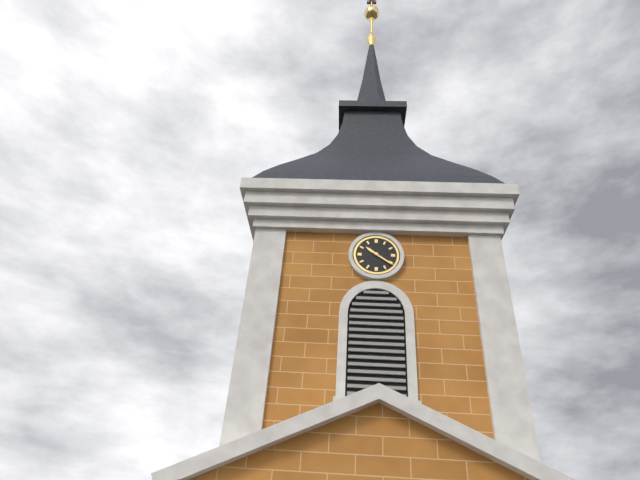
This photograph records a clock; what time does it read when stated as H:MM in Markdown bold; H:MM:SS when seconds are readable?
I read **10:21**
